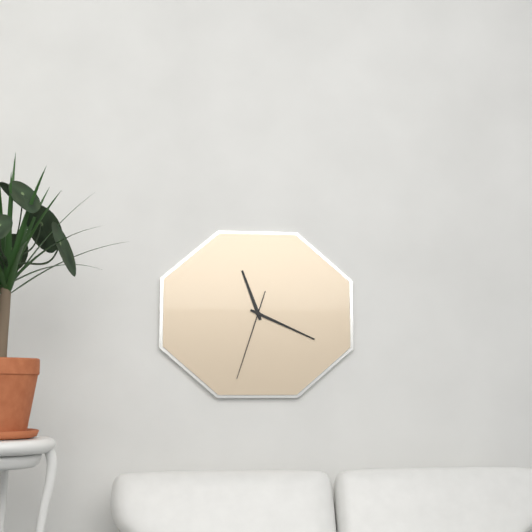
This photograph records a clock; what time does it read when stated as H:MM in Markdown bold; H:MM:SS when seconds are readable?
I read **11:19:33**
